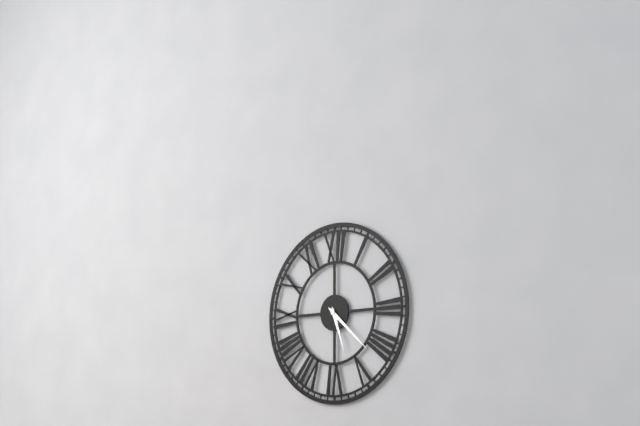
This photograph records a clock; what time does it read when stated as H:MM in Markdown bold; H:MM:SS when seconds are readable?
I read **5:22**
